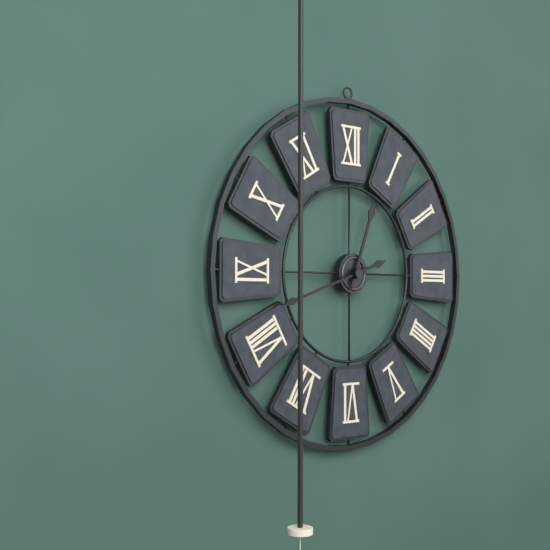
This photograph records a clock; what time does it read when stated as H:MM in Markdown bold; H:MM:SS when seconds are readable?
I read **12:42**
